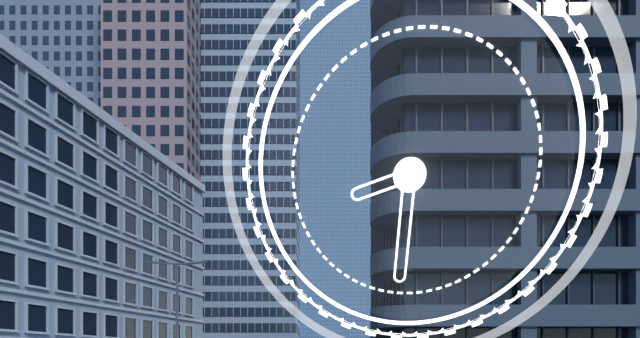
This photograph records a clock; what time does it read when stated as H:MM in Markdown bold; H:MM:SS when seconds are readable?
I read **8:31**
